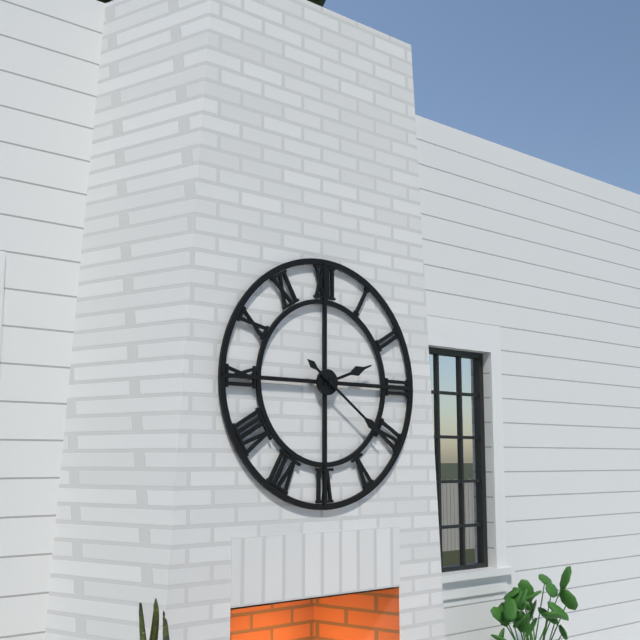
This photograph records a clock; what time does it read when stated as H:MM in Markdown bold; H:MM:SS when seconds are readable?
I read **2:21**
